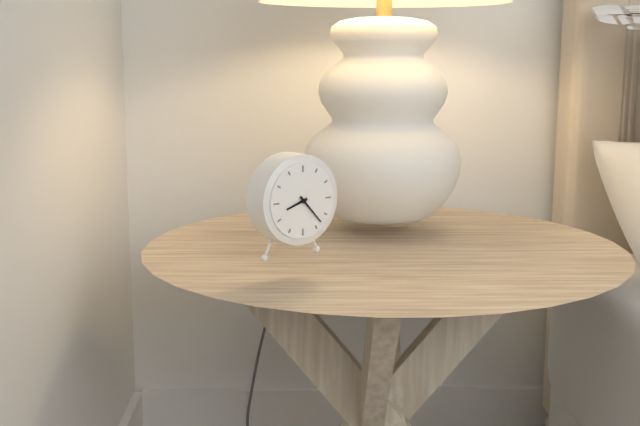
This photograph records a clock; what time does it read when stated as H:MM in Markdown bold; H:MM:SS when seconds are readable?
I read **8:23**
